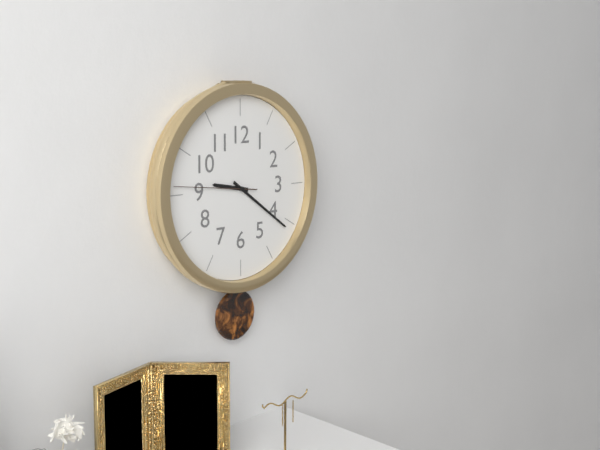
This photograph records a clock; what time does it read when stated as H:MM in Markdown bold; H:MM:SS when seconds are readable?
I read **9:21:46**
